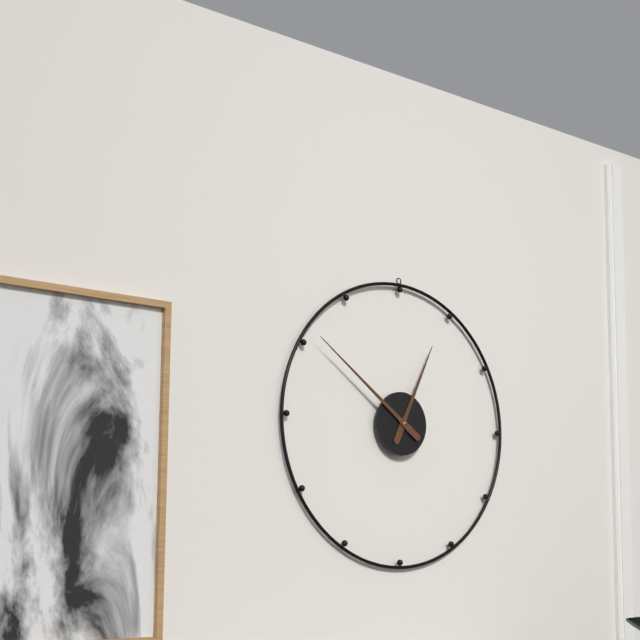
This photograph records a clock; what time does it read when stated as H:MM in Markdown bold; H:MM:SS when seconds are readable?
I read **12:51**
